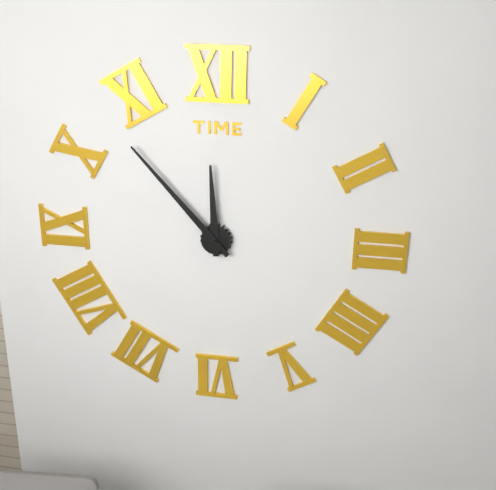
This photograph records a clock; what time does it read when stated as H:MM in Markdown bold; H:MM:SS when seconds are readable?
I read **11:53**
